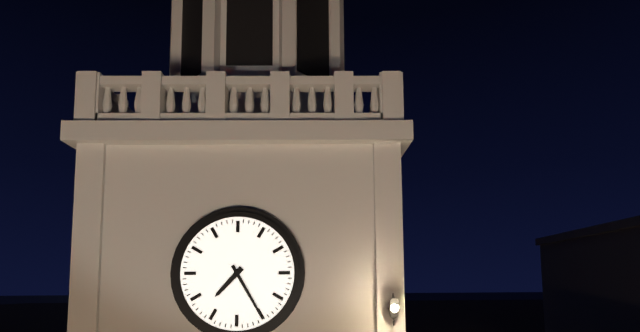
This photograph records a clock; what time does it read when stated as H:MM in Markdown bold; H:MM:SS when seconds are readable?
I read **7:25**
